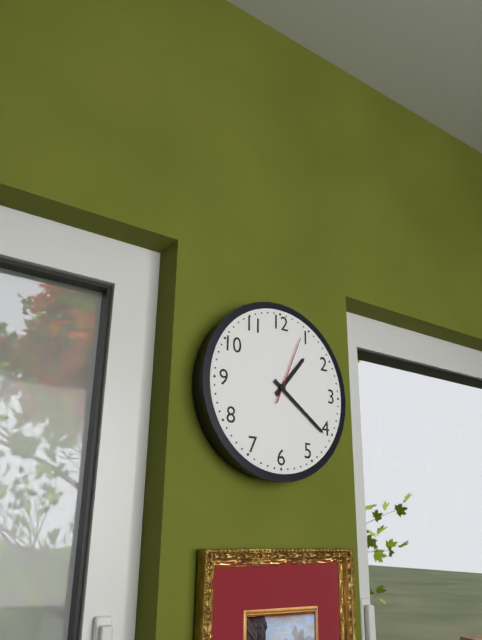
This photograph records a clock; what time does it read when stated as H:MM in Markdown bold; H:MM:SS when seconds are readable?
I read **1:21:04**
